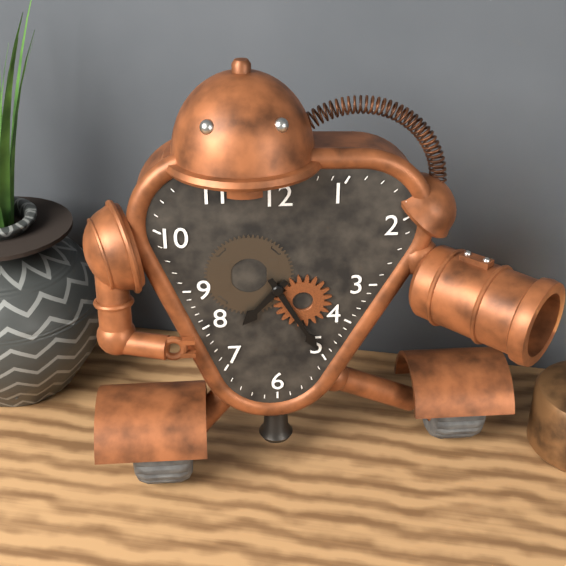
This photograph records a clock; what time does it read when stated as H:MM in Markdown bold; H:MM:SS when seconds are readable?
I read **7:25**
